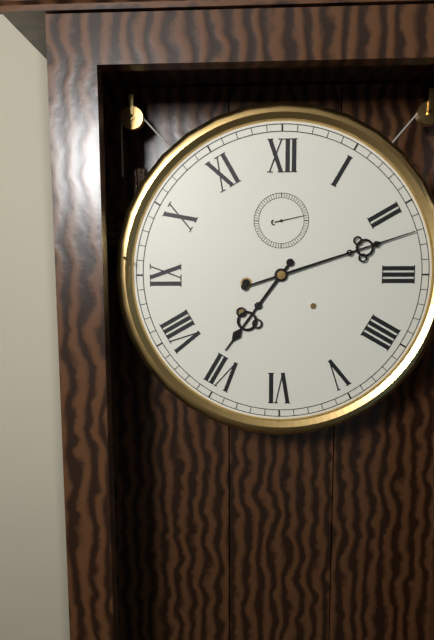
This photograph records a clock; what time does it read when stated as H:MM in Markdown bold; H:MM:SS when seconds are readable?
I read **7:12**
